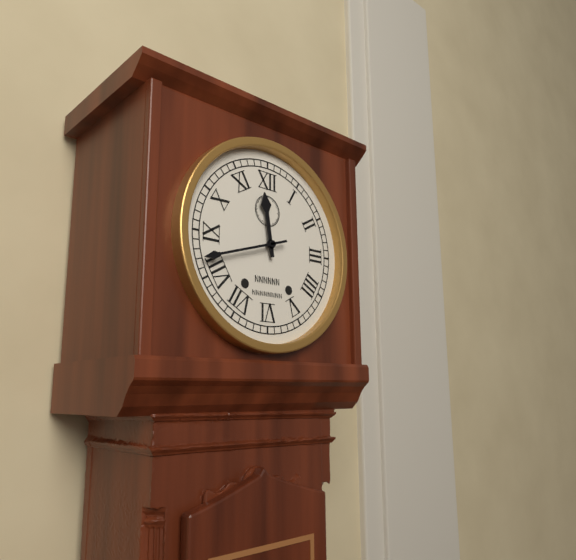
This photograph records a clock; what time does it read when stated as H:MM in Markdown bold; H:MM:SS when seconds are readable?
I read **11:42**
